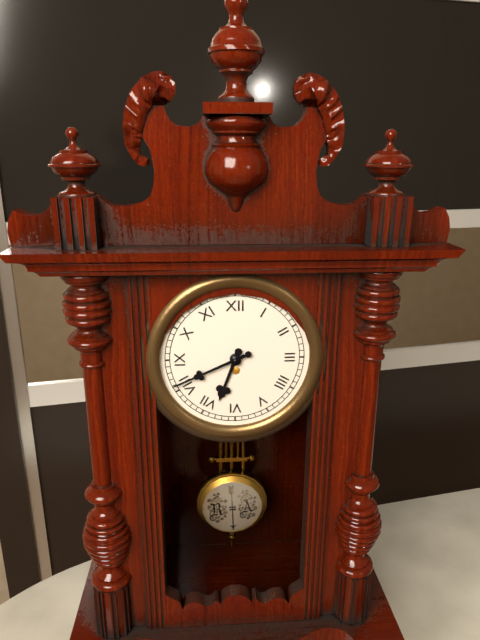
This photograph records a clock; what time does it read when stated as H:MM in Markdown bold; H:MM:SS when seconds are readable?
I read **6:41**
